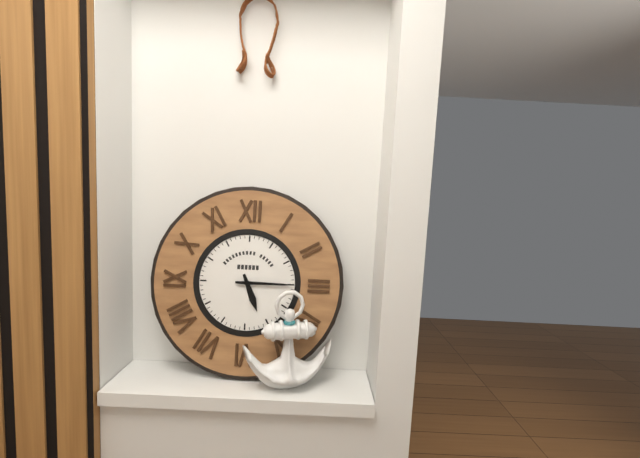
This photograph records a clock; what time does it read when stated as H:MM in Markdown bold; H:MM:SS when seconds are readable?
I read **5:15**
